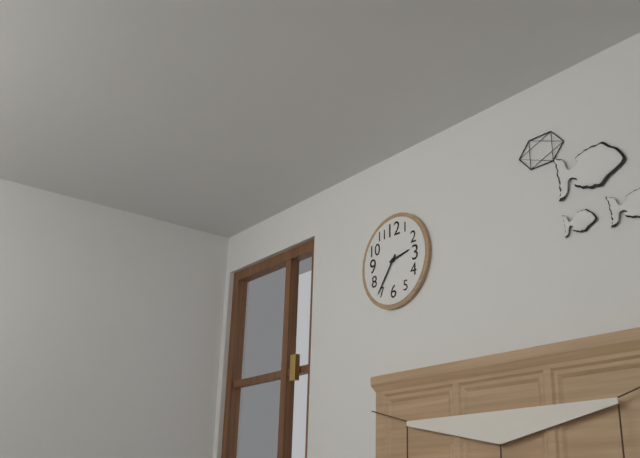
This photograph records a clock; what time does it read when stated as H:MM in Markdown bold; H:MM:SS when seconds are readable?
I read **2:36**
